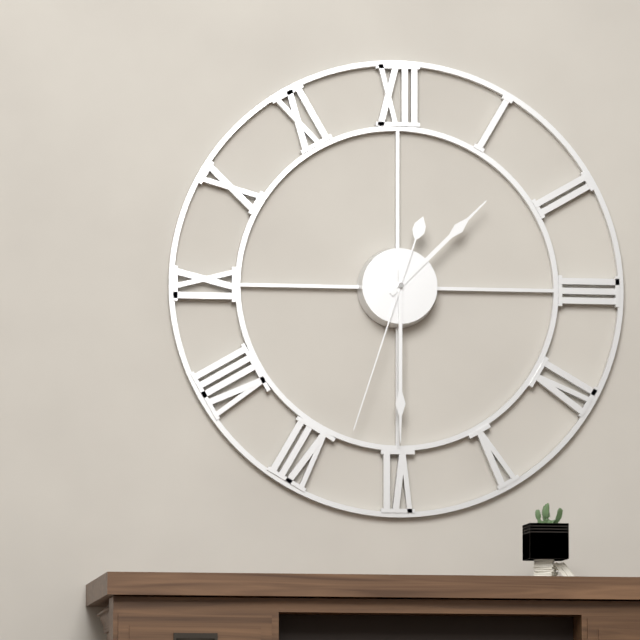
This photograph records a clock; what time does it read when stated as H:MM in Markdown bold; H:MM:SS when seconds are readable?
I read **1:30:33**
